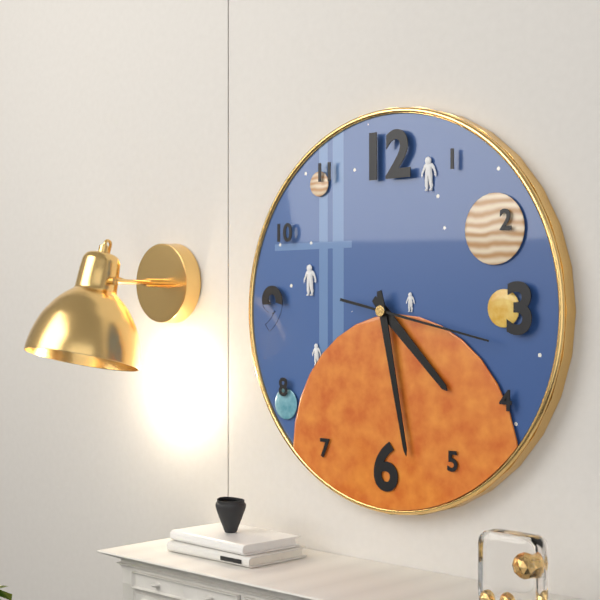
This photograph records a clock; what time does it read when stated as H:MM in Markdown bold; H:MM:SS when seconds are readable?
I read **4:28:17**
